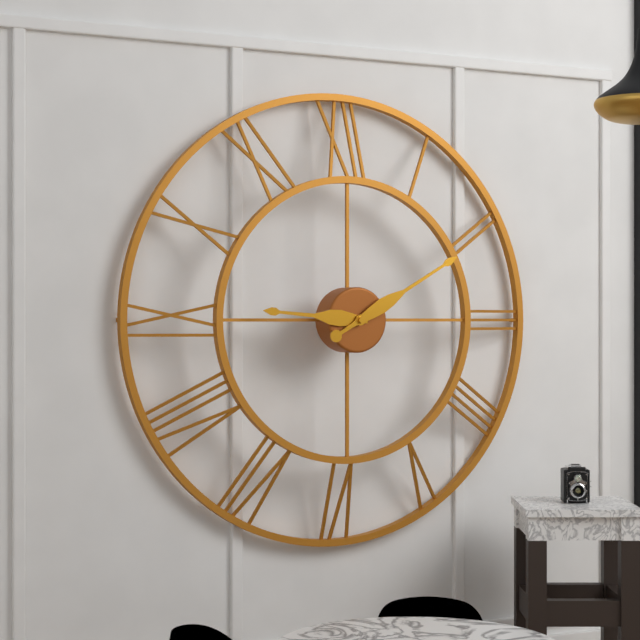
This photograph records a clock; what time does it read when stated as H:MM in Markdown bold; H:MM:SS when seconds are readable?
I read **9:10**
